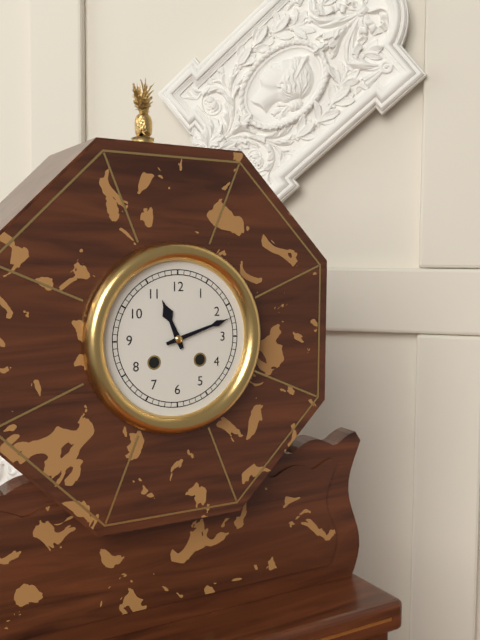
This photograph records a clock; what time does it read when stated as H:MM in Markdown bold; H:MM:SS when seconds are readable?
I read **11:12**
